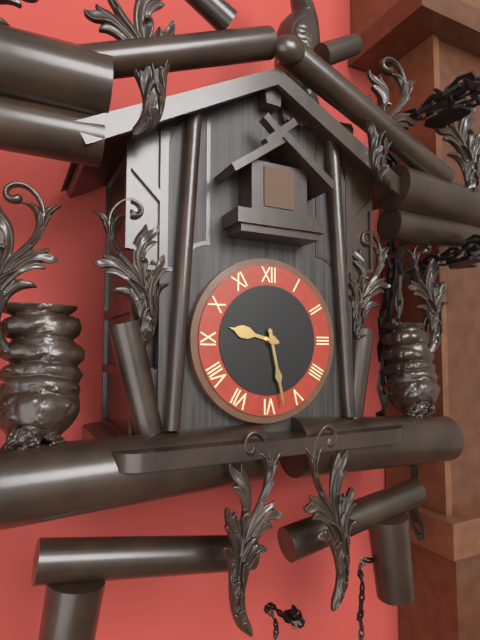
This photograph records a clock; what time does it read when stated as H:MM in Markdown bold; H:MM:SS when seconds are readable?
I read **9:28**
